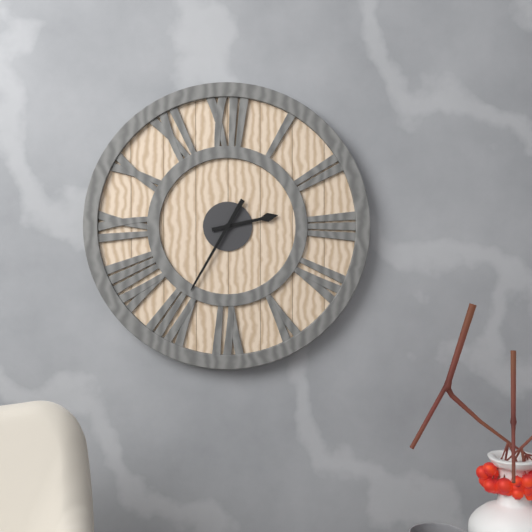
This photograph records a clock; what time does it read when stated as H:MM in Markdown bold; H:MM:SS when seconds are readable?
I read **2:35**
